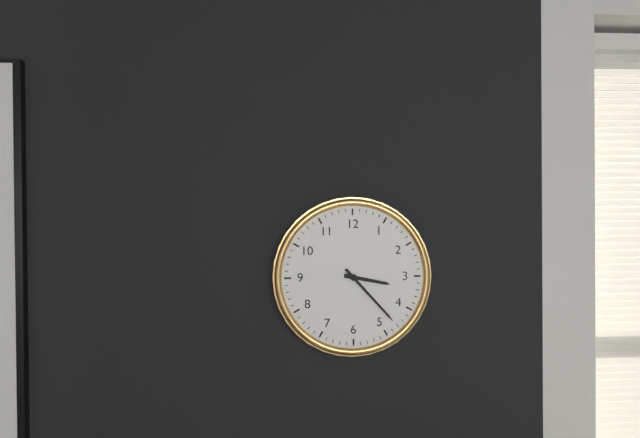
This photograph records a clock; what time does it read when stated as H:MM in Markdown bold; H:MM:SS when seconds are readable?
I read **3:23**
